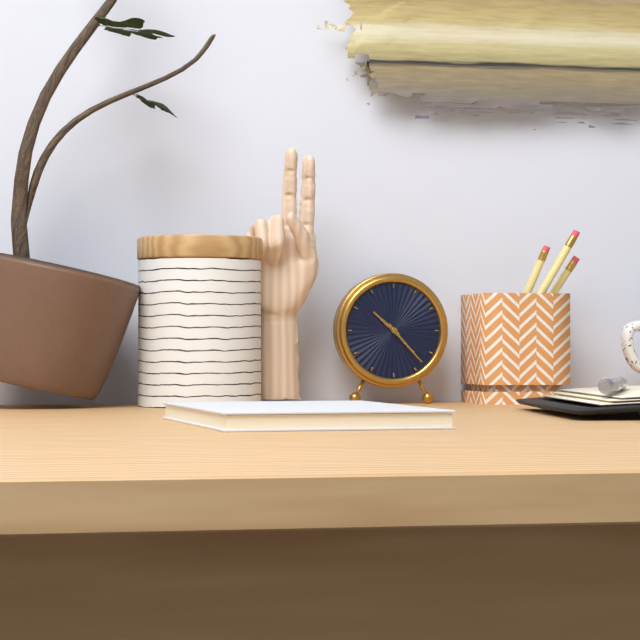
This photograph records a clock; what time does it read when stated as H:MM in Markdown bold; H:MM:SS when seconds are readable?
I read **10:23**
